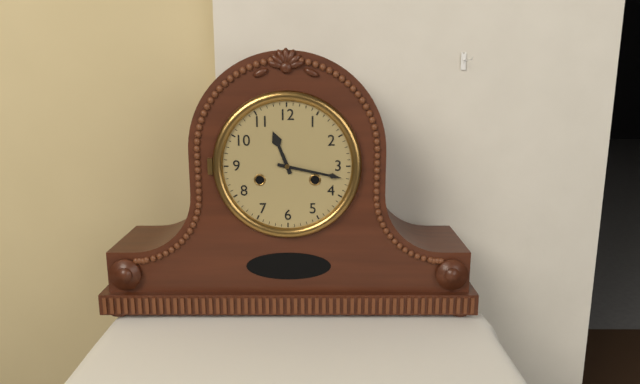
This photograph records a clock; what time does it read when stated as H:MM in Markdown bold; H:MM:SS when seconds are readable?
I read **11:17**
